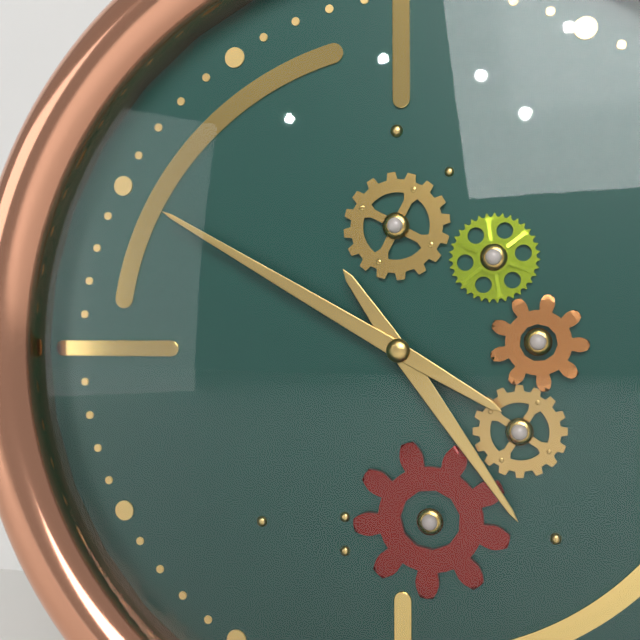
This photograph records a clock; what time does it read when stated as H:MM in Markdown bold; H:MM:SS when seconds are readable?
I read **4:50**
